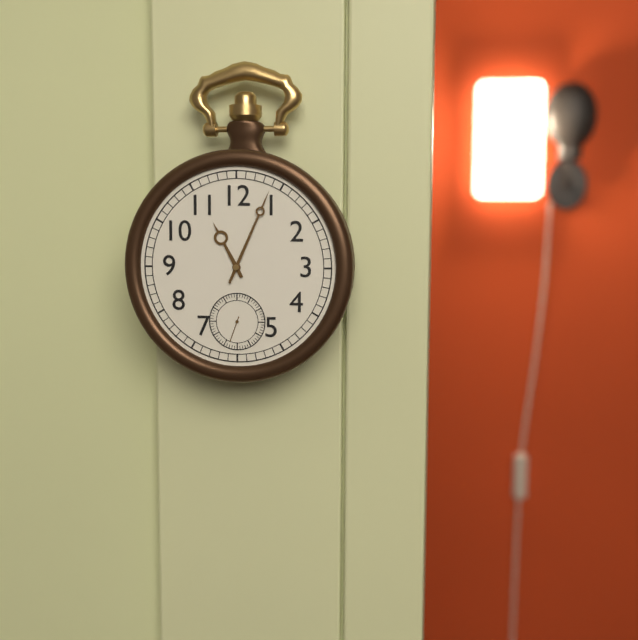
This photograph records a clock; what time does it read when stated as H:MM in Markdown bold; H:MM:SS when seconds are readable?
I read **11:04**
